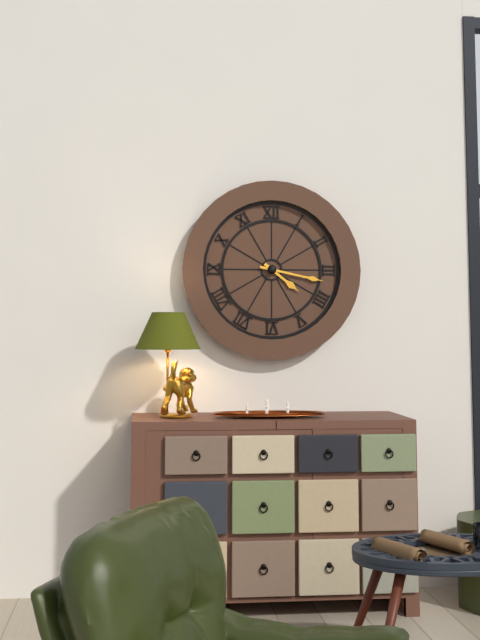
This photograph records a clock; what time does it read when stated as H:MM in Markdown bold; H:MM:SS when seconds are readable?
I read **4:17**
